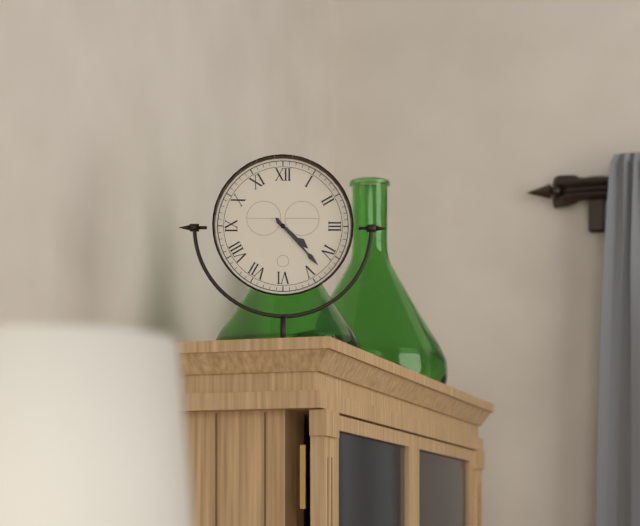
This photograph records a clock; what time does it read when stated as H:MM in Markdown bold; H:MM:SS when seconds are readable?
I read **4:23**
